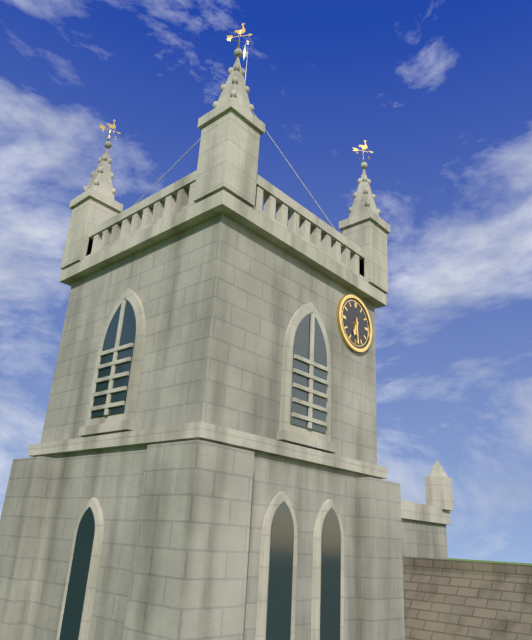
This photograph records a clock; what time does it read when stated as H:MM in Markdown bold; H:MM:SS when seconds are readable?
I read **6:29**
